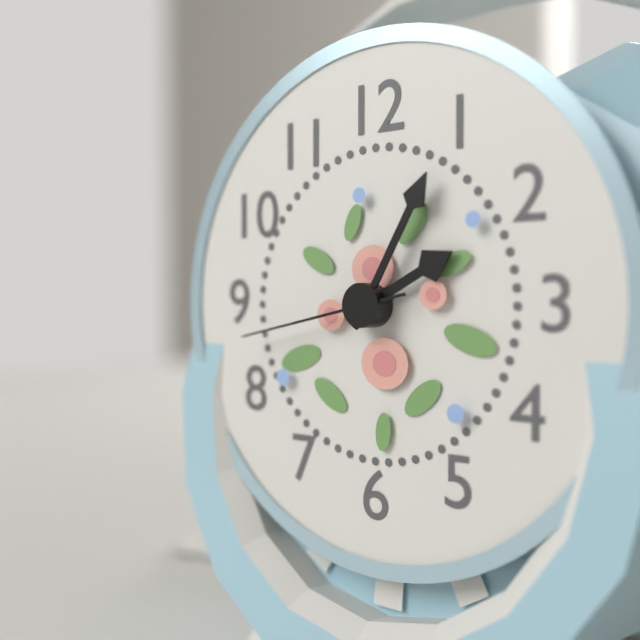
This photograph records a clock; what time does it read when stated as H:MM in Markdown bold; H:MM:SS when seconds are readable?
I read **2:05:43**
